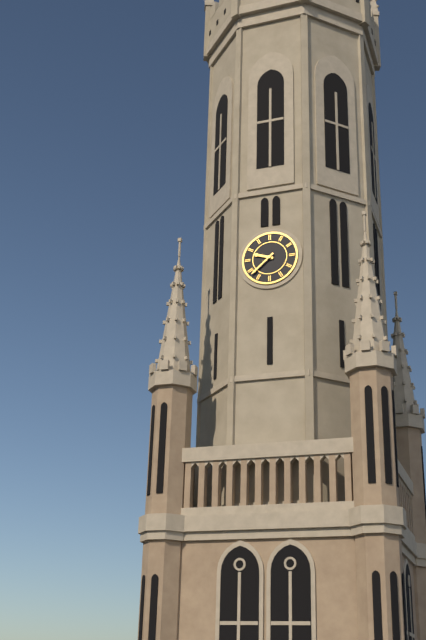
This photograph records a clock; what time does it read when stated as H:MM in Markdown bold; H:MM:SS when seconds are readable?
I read **9:38**
